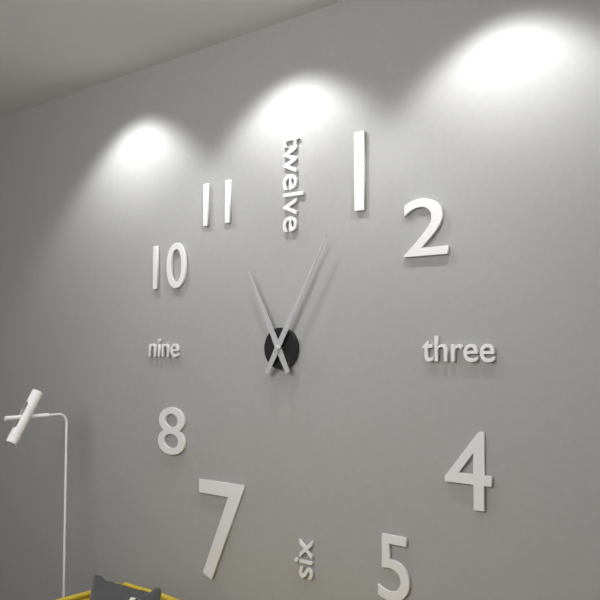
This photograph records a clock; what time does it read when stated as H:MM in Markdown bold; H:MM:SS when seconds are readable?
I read **11:05**
